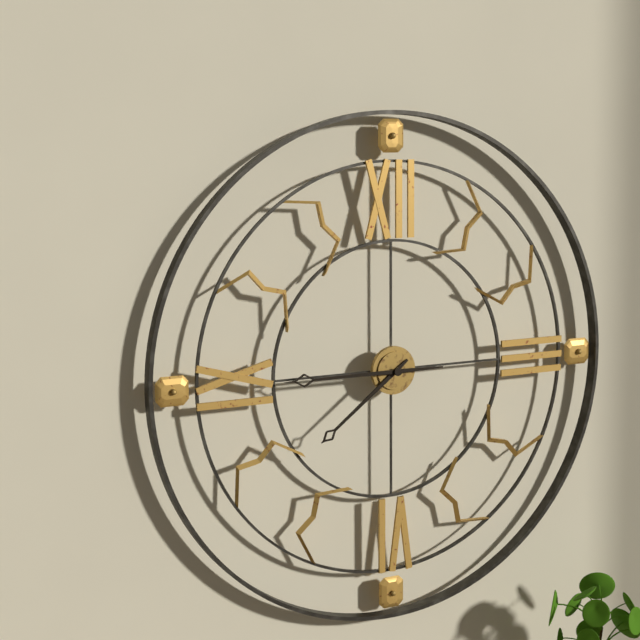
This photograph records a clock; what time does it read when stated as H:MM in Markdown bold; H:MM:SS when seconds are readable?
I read **7:45**
